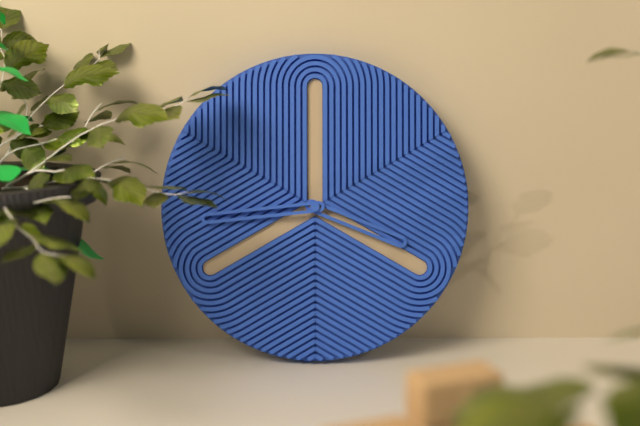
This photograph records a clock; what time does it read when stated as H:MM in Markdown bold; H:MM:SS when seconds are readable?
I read **3:44**
